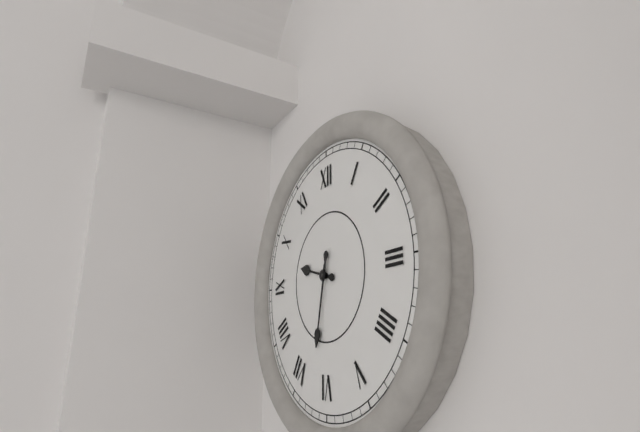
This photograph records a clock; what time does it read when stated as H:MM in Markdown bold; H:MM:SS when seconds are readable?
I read **9:32**
